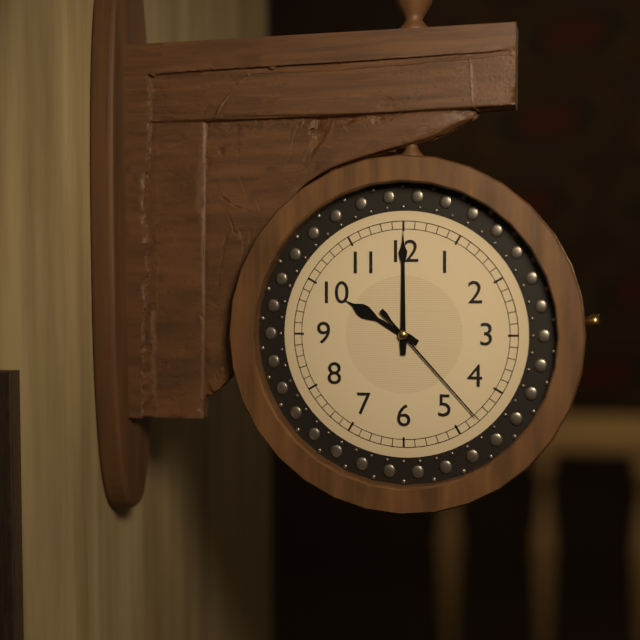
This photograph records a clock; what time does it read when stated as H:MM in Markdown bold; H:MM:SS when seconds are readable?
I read **10:00:23**
